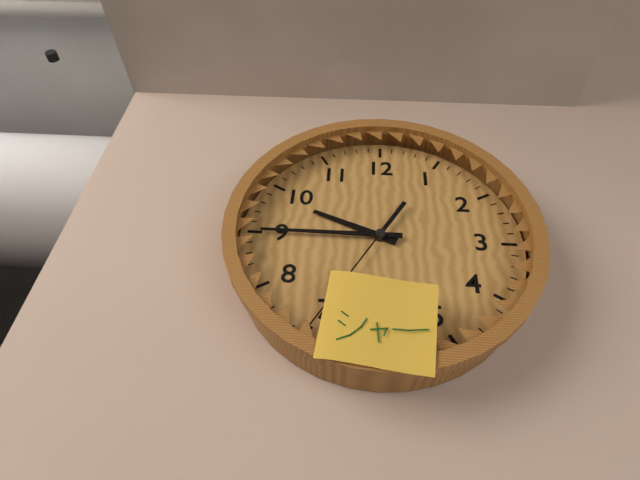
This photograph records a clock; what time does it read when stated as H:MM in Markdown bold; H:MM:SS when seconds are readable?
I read **9:45**
